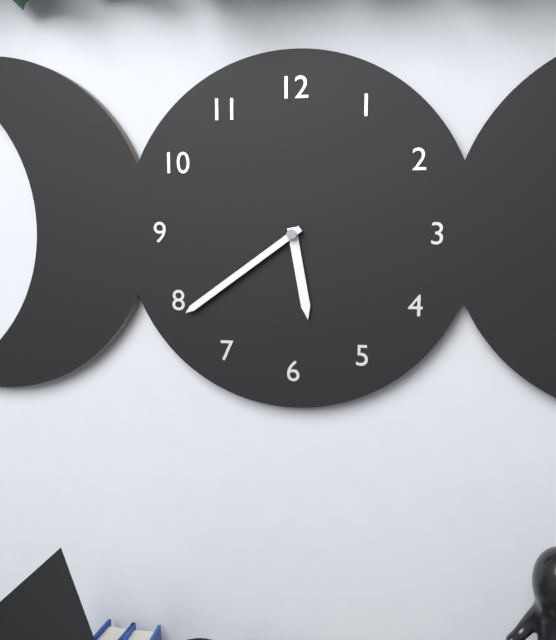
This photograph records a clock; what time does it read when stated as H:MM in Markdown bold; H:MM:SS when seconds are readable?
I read **5:39**
